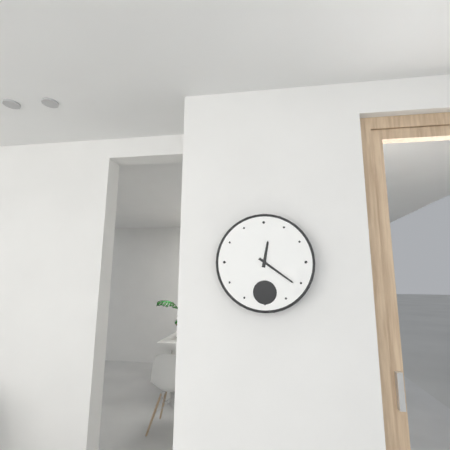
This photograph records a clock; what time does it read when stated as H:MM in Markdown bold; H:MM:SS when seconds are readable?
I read **12:21**
